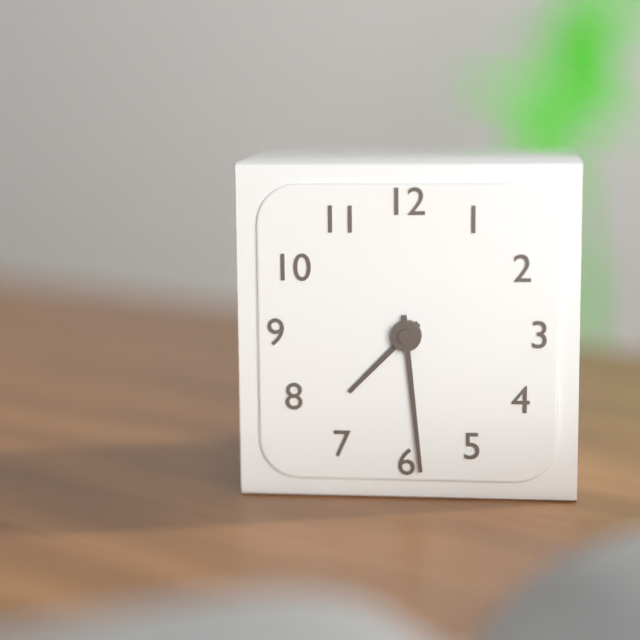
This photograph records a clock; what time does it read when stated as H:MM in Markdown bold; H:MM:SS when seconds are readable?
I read **7:29**
